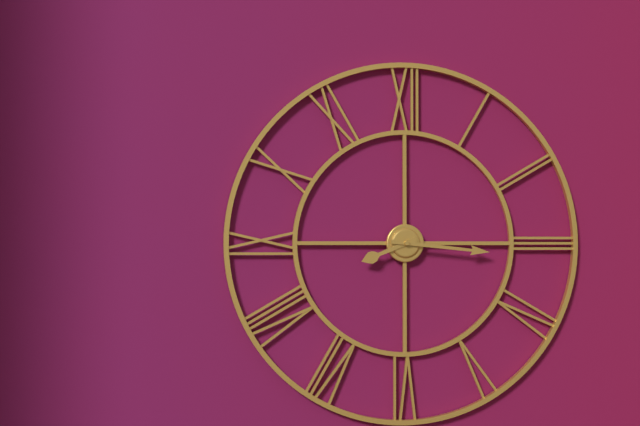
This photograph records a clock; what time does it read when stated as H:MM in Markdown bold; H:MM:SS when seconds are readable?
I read **8:16**
